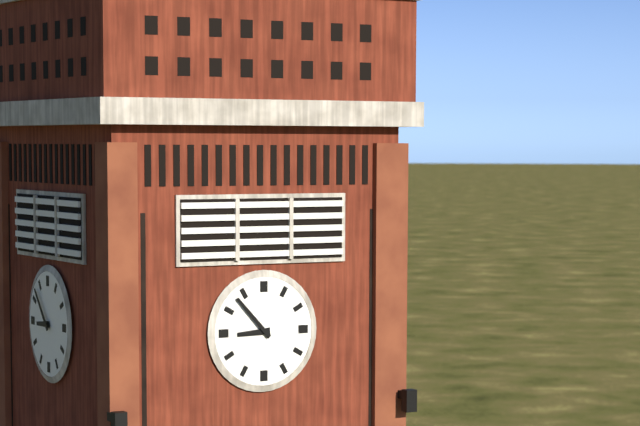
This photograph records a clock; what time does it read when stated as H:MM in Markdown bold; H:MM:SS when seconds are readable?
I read **8:53**
